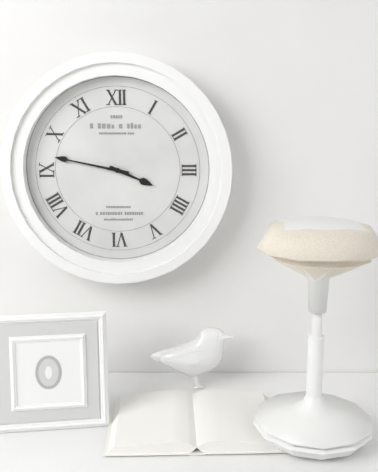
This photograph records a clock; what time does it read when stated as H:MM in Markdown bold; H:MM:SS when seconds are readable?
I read **3:47**
